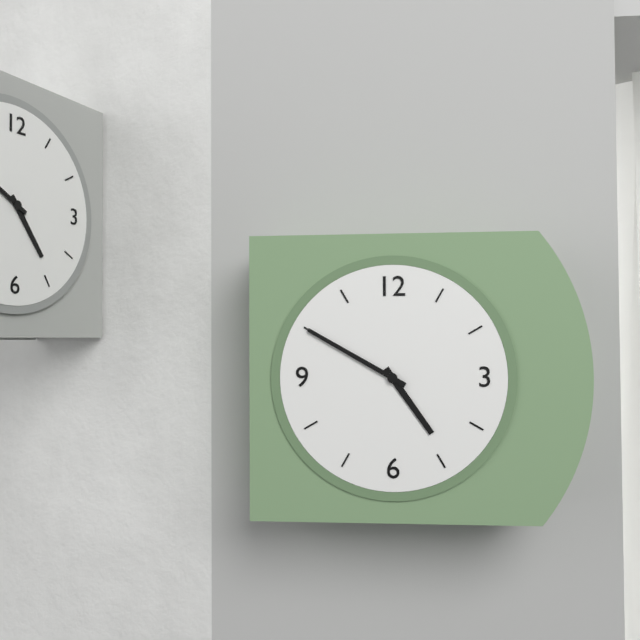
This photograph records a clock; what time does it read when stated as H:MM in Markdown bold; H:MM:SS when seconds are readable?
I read **4:50**
